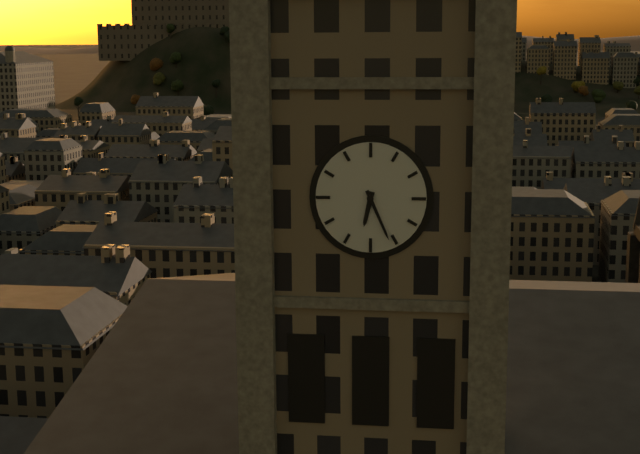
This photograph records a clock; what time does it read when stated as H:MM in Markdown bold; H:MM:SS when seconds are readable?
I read **6:26**
